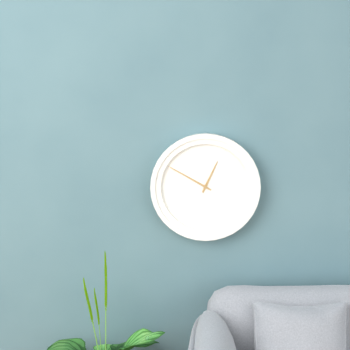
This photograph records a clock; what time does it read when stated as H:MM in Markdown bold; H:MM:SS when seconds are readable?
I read **12:50**
